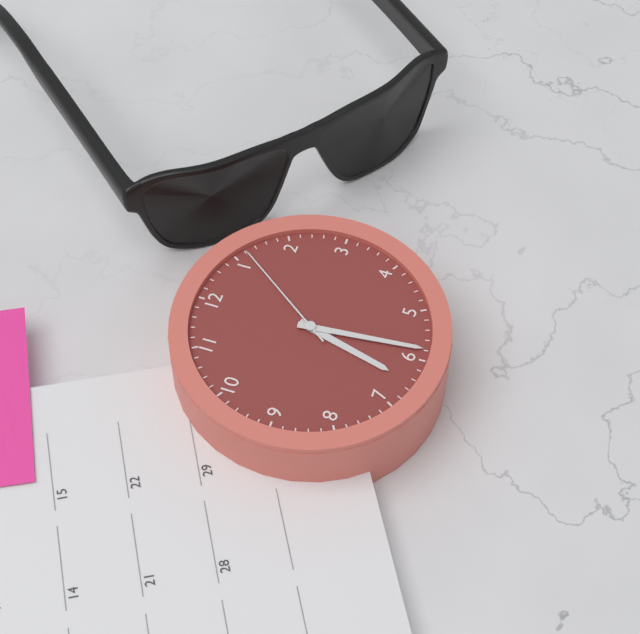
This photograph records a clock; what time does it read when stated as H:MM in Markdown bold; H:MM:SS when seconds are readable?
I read **6:29:06**
